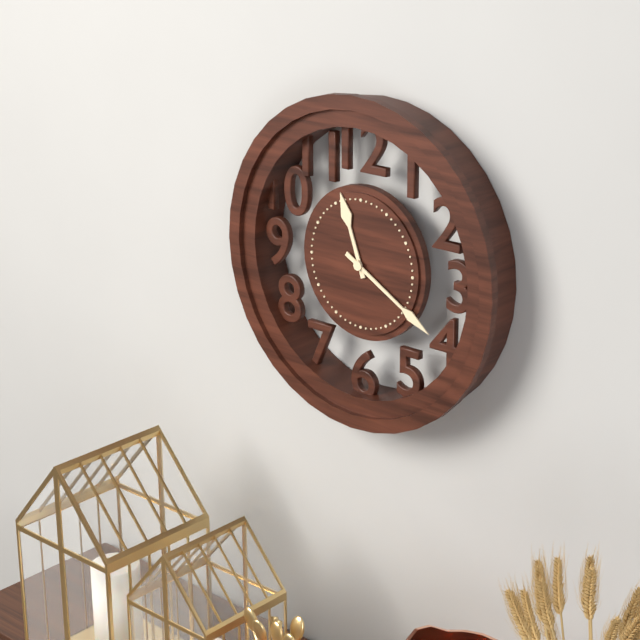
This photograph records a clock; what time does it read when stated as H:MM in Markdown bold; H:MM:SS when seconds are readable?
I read **11:20**
